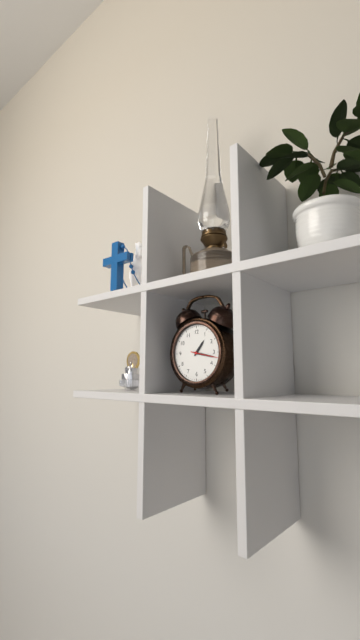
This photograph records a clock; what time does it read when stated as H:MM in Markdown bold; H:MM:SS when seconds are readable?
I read **1:17**
